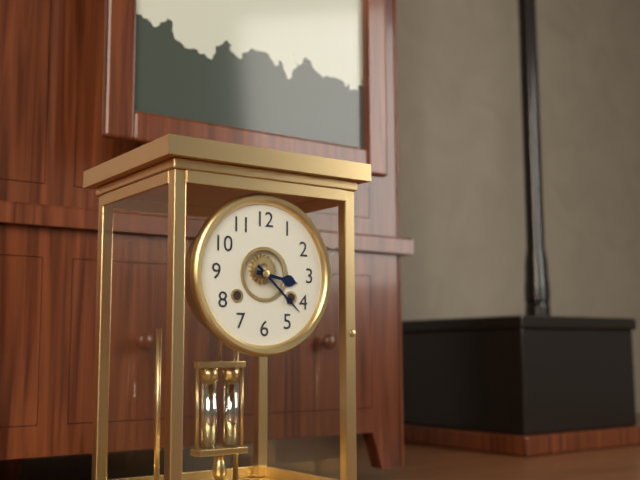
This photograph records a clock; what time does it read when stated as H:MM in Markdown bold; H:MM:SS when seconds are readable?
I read **3:22**
